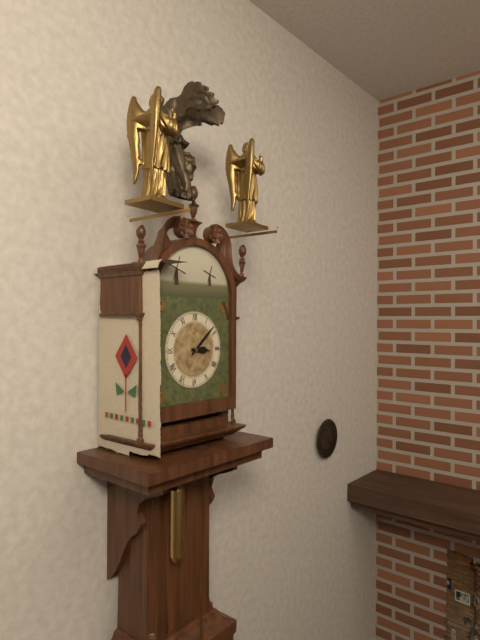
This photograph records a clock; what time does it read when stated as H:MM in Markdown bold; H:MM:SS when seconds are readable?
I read **3:08**
